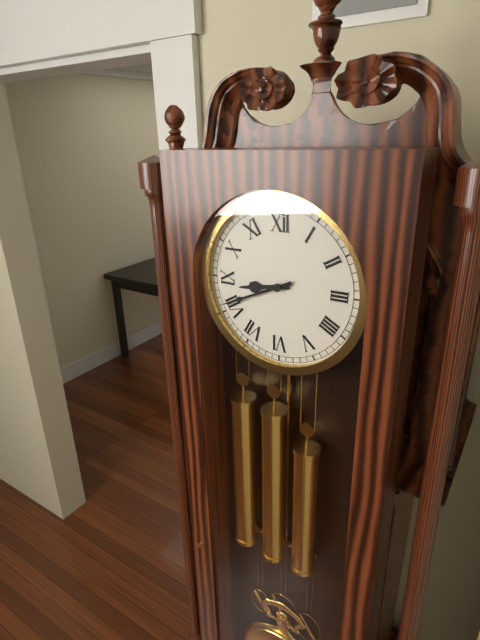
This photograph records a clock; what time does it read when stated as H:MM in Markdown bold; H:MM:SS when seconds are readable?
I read **8:41**
